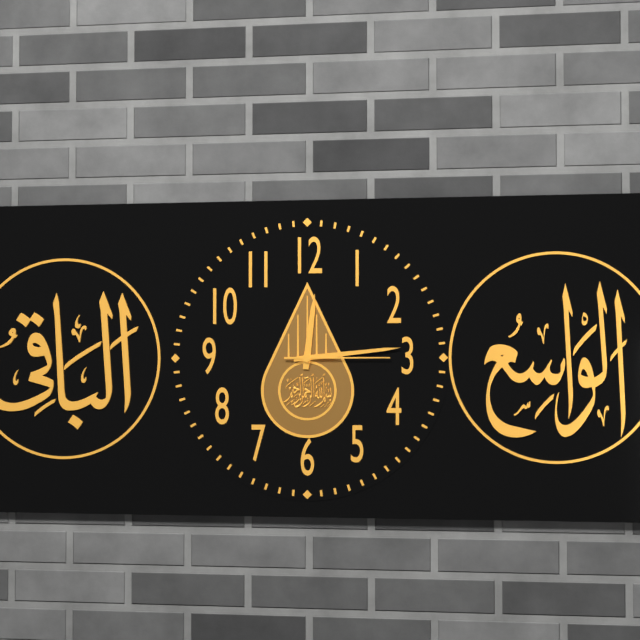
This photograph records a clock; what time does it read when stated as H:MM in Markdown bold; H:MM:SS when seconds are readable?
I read **12:14:15**
